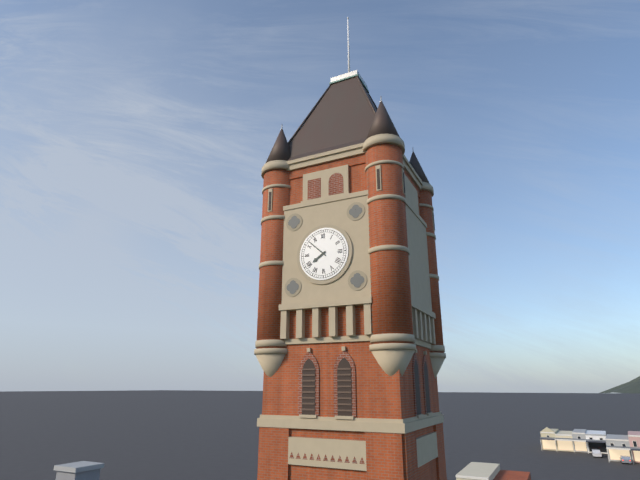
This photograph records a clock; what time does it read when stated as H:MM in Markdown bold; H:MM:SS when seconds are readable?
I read **7:52**
